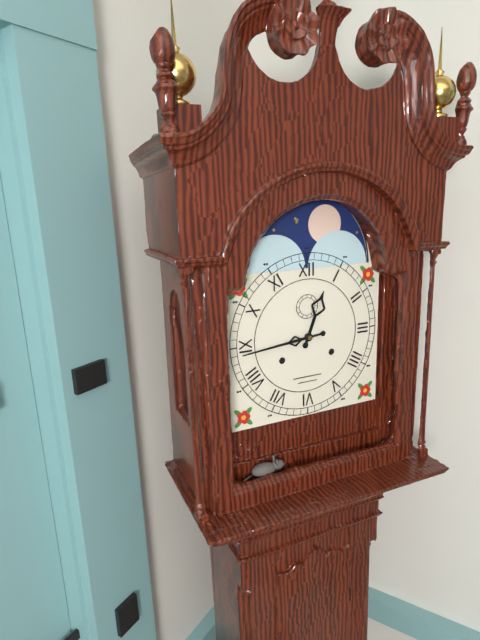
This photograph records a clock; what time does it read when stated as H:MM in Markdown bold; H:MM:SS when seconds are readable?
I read **12:44**
